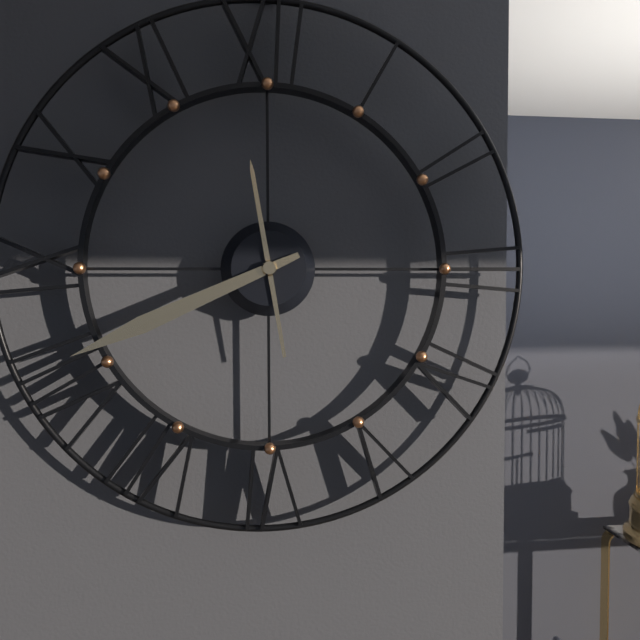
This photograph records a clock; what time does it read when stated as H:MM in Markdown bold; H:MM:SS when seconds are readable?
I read **11:41**
